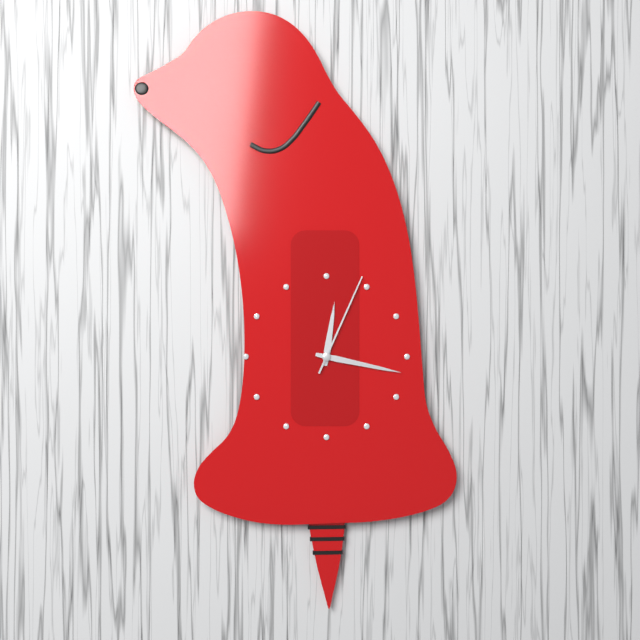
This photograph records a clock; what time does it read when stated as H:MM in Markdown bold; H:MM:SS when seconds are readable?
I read **12:17:04**
